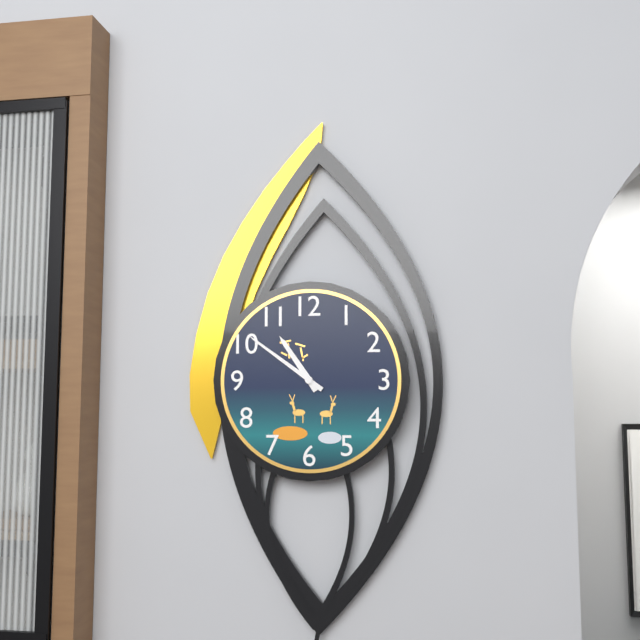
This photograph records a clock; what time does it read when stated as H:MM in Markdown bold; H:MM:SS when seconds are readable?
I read **10:51**
